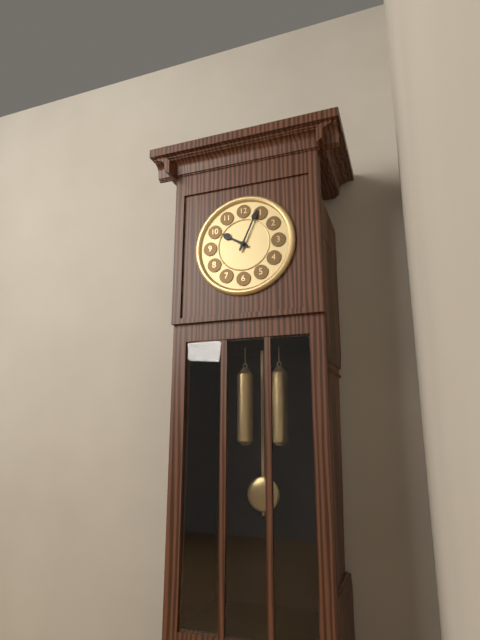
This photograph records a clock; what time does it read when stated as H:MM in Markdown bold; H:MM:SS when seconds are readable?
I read **10:04**
